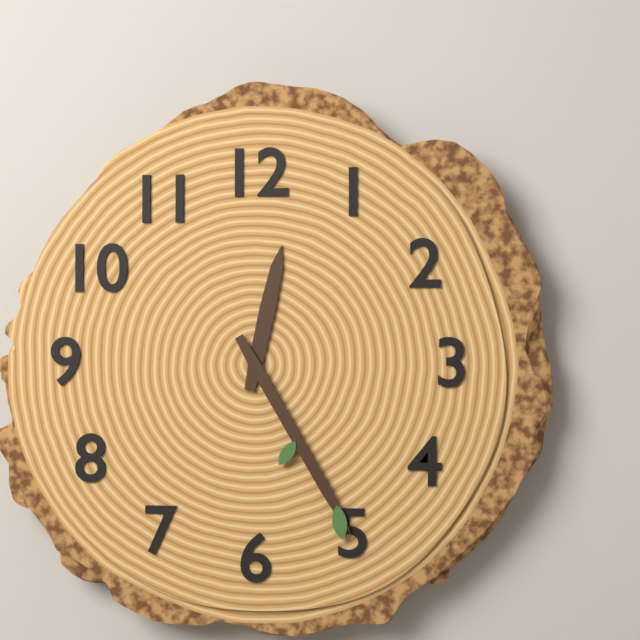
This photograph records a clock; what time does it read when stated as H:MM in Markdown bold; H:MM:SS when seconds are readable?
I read **12:25**
